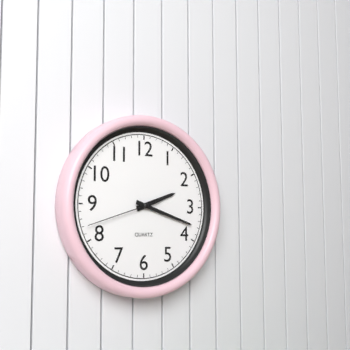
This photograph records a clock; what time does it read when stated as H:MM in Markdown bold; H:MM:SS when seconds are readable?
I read **2:18:42**
